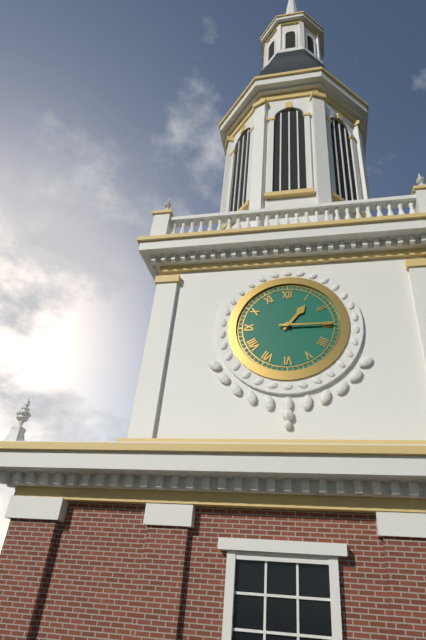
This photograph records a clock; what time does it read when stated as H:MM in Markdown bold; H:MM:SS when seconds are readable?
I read **1:15**
